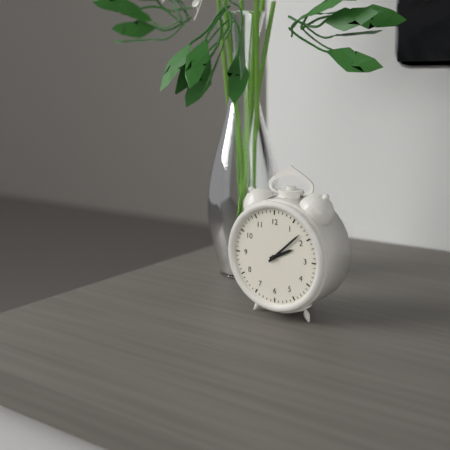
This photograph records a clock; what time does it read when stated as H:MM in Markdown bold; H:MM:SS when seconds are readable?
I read **2:08**
